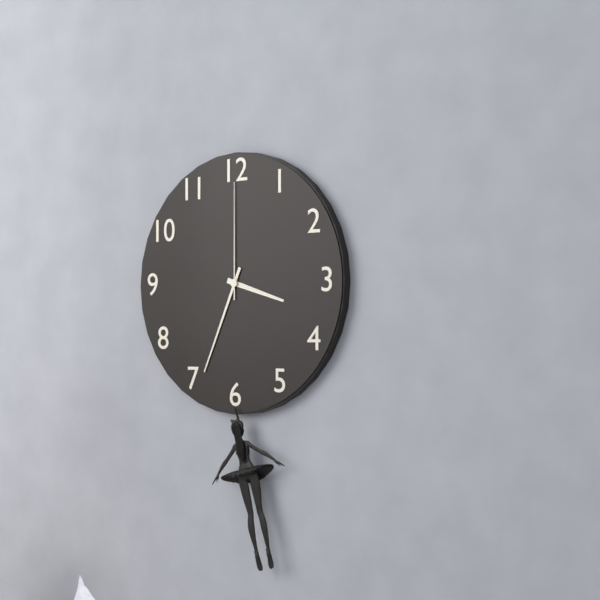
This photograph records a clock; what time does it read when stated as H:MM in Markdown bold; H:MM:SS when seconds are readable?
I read **3:34:00**
